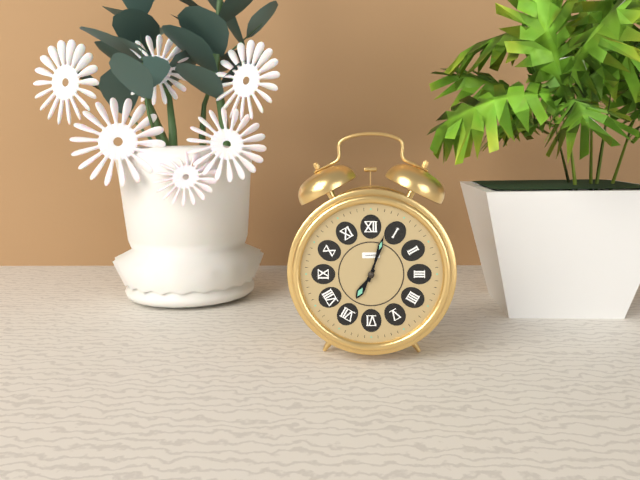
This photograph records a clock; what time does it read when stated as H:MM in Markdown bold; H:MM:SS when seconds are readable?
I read **7:03**
